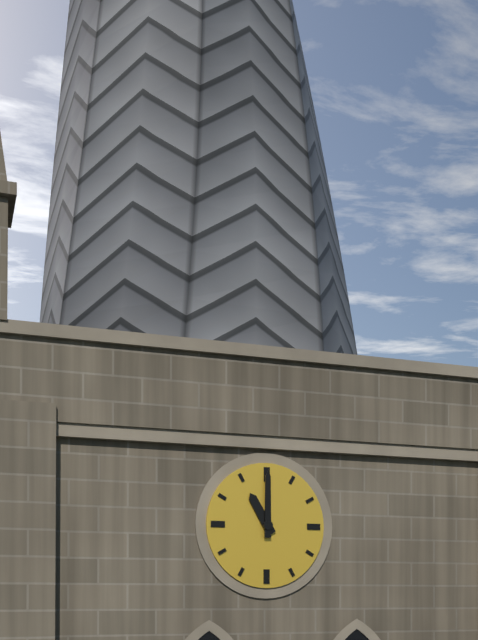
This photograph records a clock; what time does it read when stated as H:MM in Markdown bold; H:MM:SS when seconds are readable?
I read **11:00**
